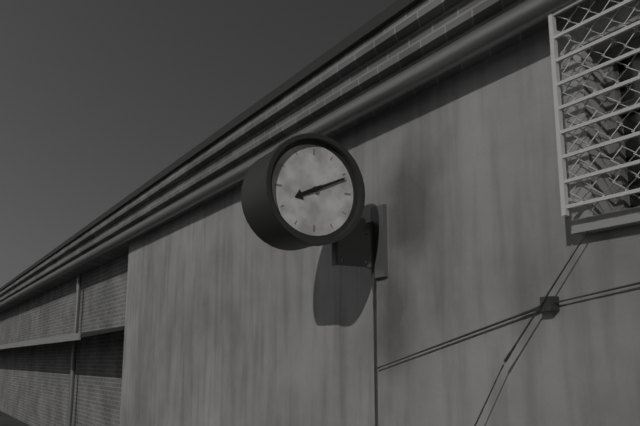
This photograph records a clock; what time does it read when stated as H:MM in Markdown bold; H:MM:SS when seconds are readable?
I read **8:11**
